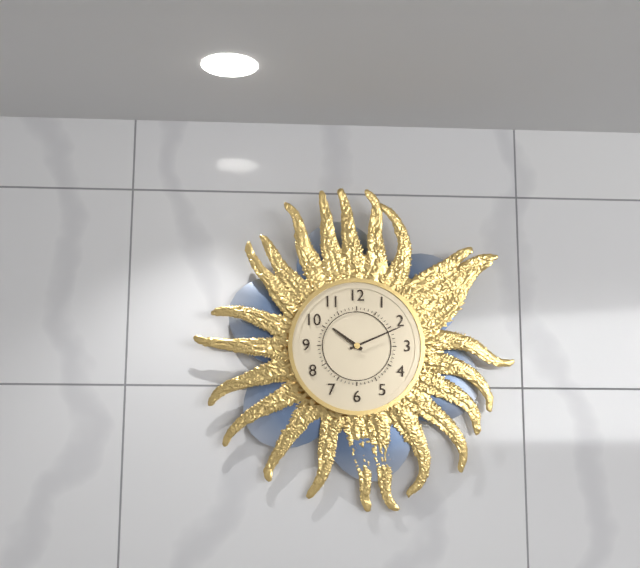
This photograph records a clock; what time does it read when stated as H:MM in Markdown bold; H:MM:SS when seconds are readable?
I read **10:11**
